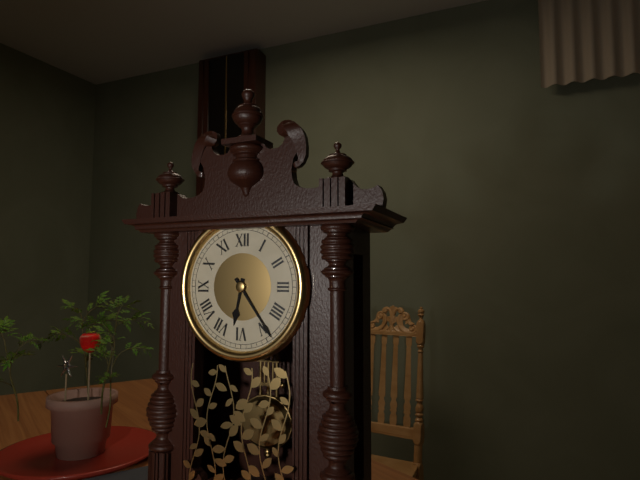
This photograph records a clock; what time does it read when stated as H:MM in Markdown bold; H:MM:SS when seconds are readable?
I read **6:24**
